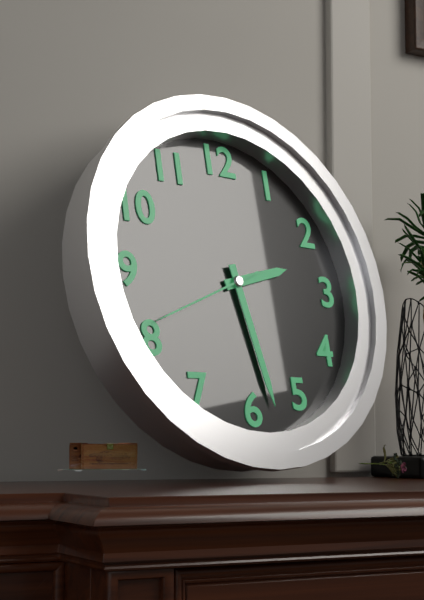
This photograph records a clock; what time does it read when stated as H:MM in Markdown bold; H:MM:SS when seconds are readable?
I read **2:28:41**
